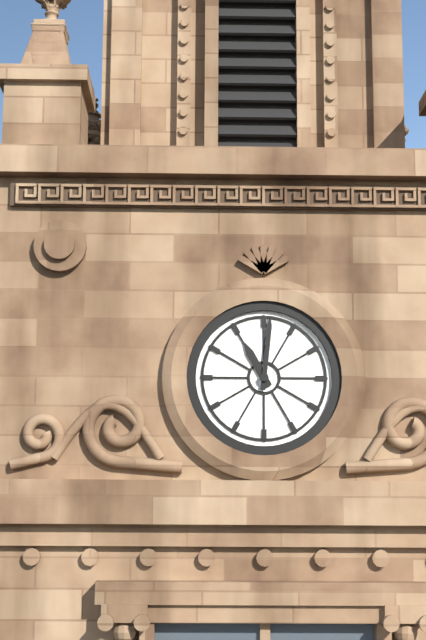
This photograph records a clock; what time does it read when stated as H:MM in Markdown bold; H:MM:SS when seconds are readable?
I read **11:01**
